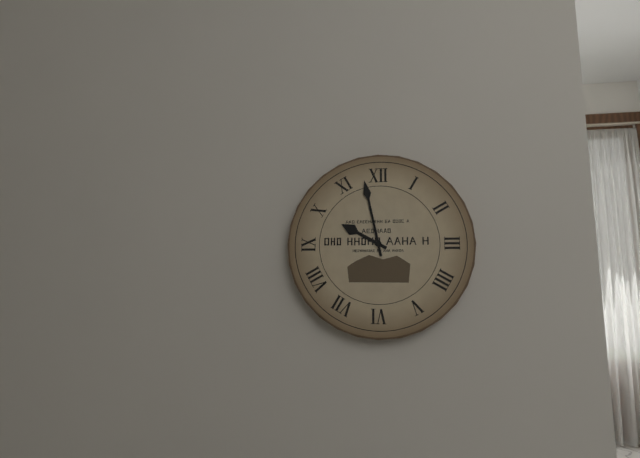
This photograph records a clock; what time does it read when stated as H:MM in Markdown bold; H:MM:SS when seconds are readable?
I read **9:58**
